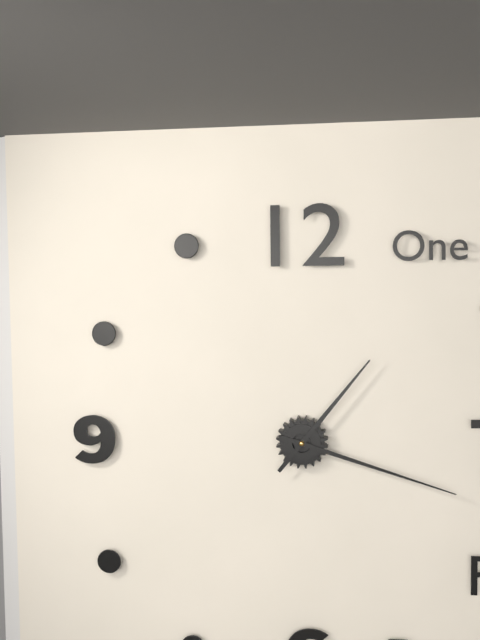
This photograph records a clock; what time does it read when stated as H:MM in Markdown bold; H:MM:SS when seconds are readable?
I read **1:18**
